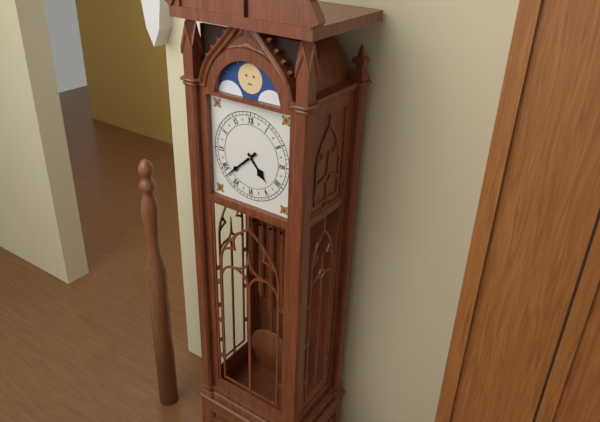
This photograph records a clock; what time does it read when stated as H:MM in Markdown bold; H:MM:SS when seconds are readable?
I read **4:38**
